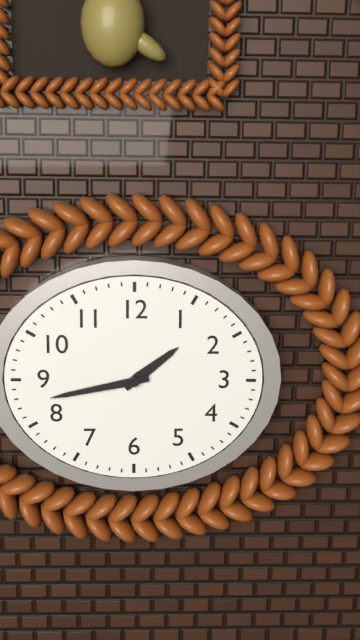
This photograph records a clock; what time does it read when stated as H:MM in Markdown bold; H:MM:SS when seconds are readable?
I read **1:43**
